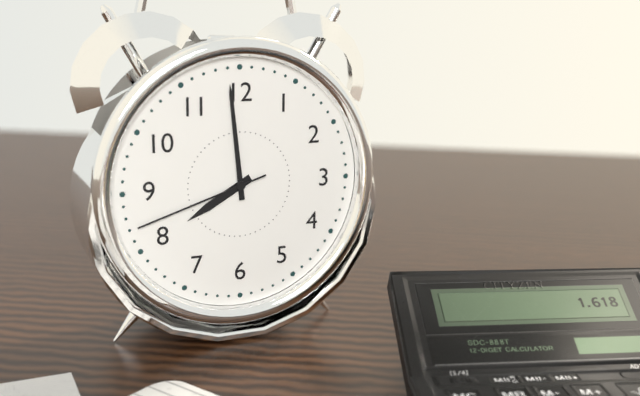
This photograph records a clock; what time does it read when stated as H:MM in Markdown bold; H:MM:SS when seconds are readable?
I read **7:59:42**
